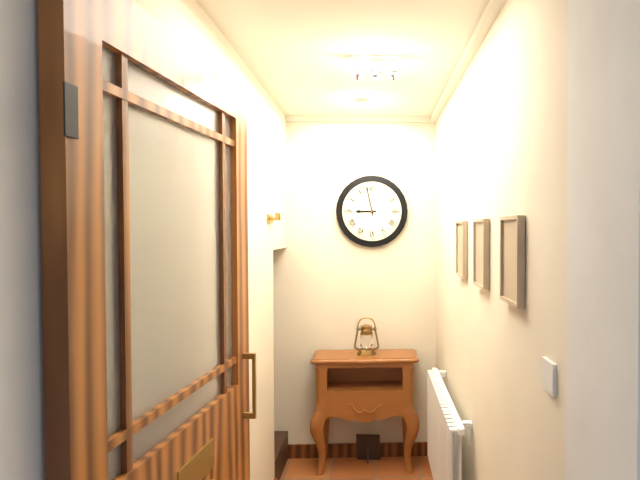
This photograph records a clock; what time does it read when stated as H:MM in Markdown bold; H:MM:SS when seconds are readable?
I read **8:58**
